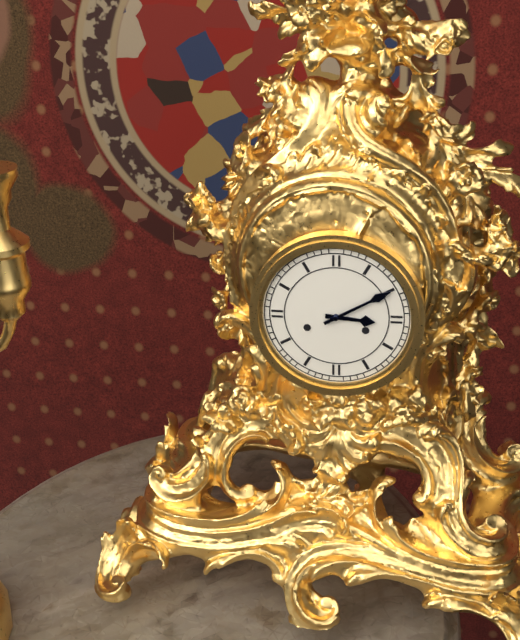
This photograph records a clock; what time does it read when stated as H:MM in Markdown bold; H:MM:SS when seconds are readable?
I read **3:10**
